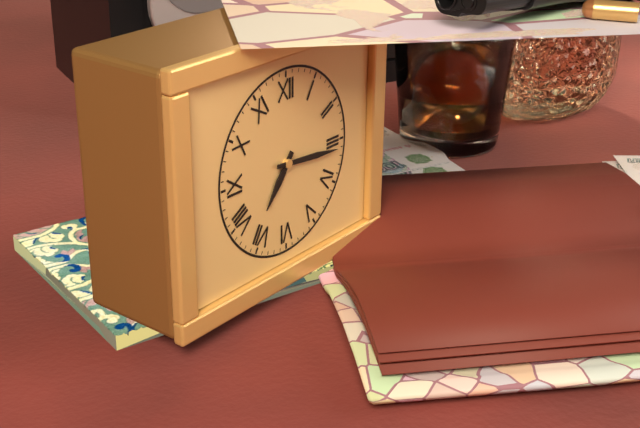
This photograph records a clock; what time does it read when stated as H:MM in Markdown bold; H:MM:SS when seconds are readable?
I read **7:16**
